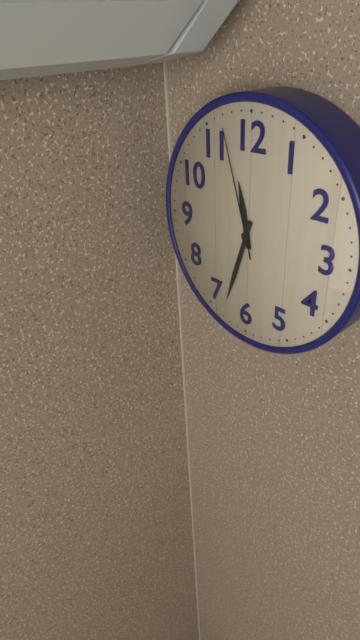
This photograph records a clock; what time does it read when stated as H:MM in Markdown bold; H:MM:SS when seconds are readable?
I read **11:33:57**
